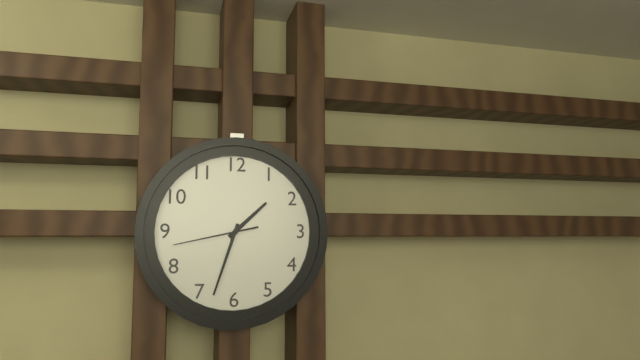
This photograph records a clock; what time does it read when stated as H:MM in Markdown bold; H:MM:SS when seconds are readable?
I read **1:33:43**
